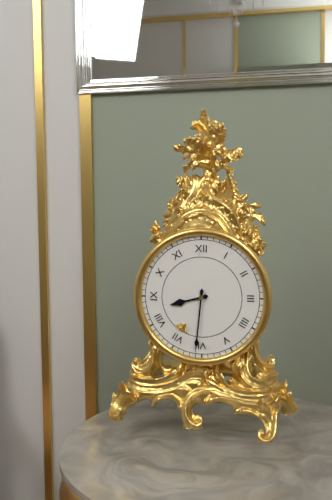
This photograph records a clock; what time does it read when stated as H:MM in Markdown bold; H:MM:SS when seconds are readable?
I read **8:31**
